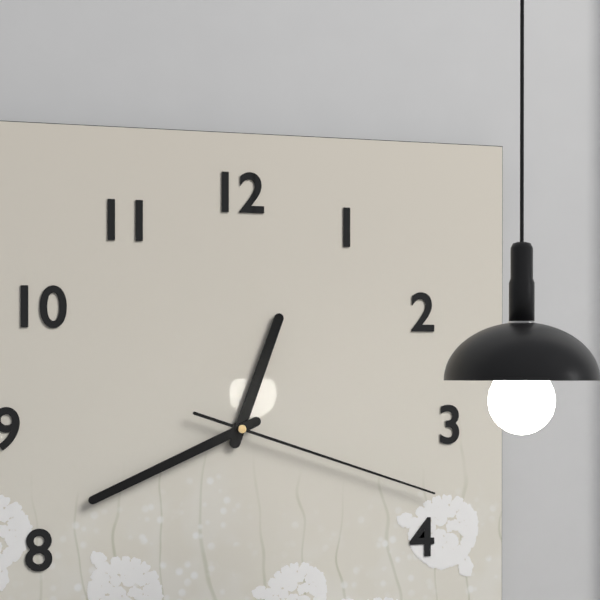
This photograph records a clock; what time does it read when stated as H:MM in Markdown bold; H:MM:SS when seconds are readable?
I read **12:41:18**
